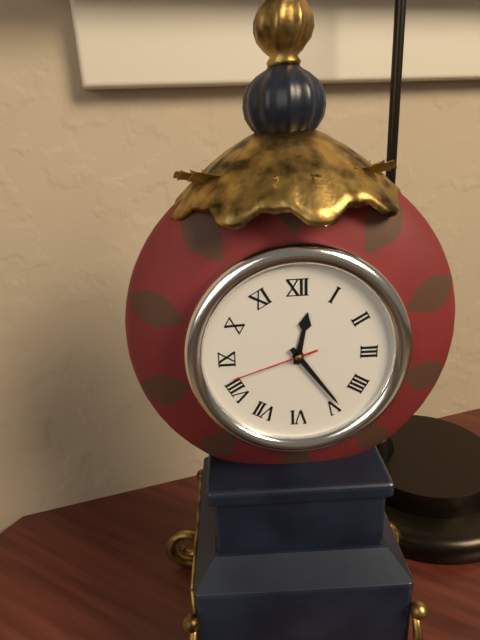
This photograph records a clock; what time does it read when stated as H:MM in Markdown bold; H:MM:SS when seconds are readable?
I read **12:24:42**
